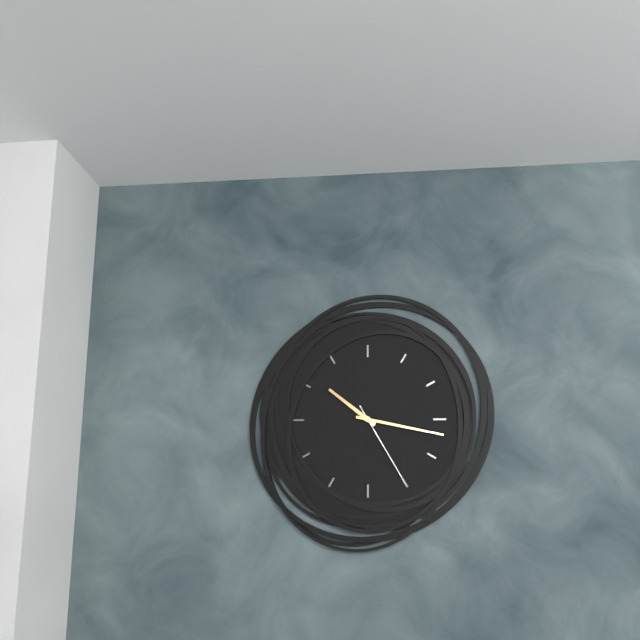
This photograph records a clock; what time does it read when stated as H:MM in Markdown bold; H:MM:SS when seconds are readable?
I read **10:17:25**
